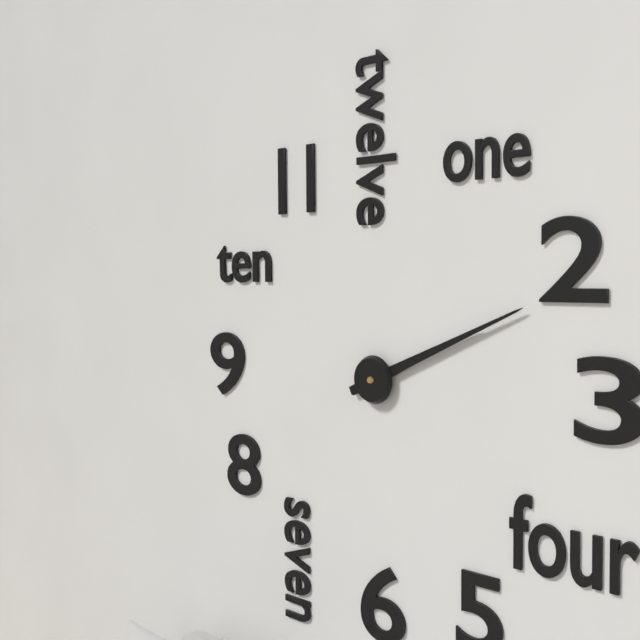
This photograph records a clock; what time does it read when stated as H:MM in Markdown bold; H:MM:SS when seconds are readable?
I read **2:11**
